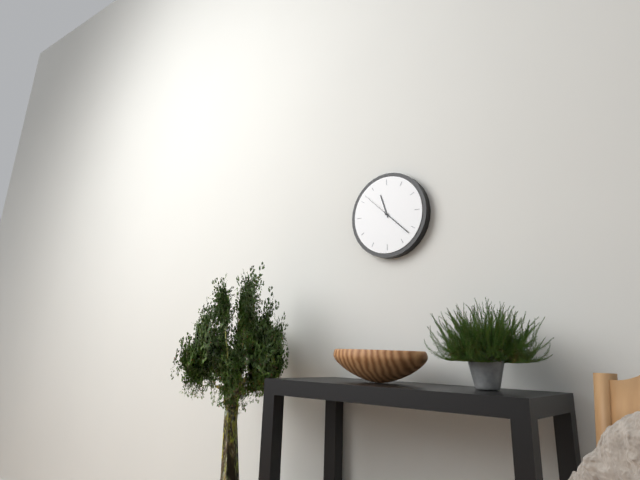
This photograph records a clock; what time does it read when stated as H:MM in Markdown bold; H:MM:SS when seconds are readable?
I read **11:22**
